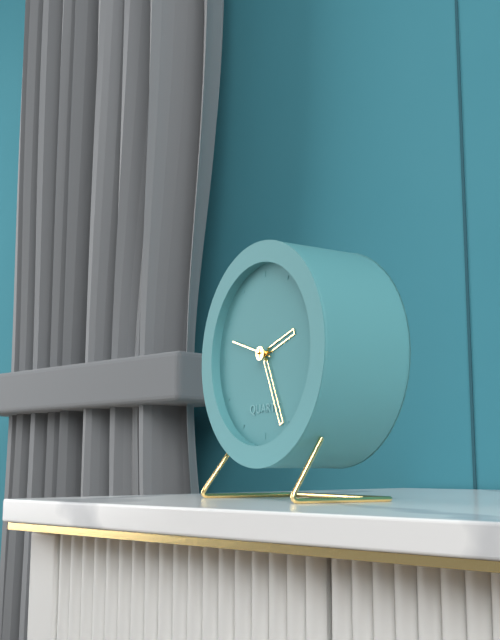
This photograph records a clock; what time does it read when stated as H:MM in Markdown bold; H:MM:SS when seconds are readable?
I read **2:26**
